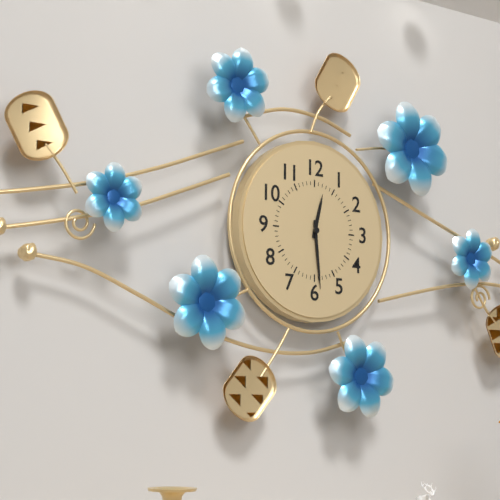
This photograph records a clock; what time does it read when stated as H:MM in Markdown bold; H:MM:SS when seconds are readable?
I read **12:29**
